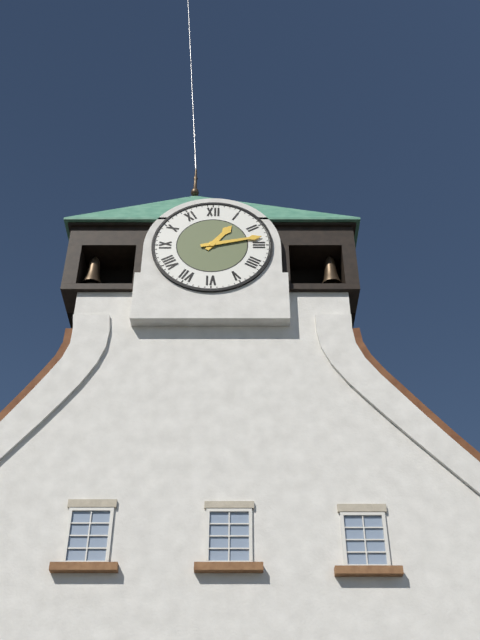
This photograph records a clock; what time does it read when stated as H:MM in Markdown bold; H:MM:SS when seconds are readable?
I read **1:13**
